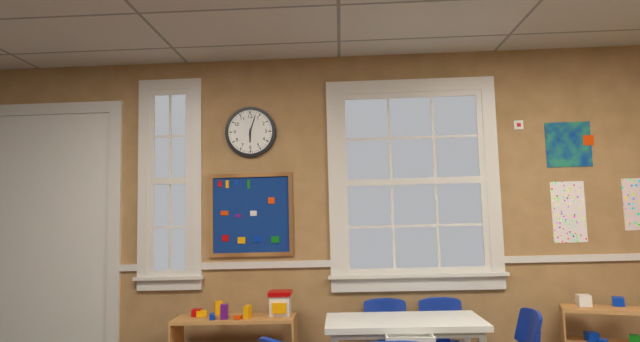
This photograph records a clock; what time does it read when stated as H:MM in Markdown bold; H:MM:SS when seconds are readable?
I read **6:03**
